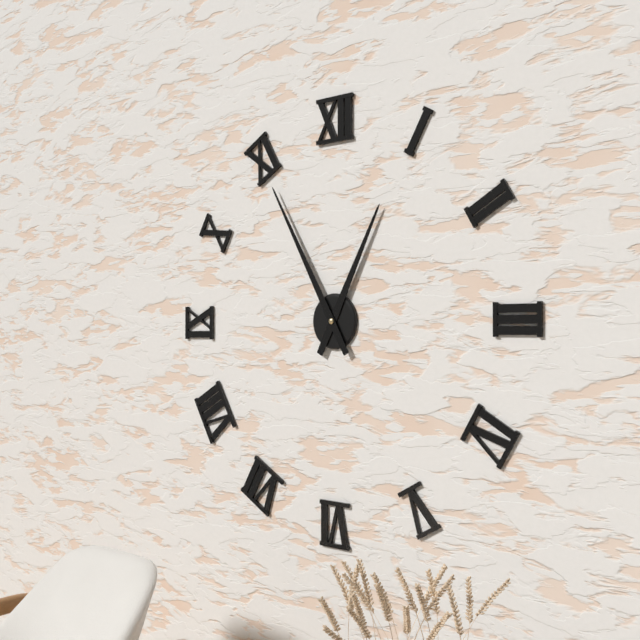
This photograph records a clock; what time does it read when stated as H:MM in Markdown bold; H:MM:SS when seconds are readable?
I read **12:55**
